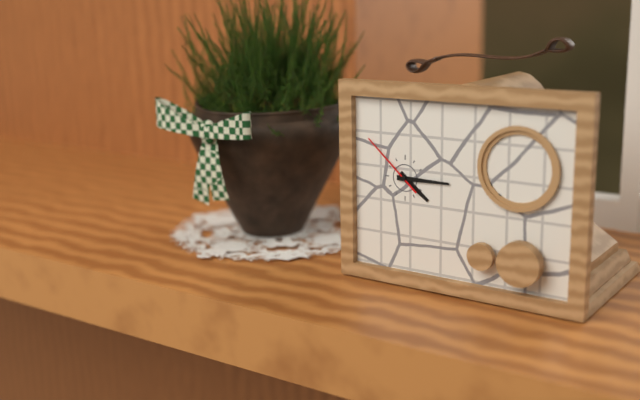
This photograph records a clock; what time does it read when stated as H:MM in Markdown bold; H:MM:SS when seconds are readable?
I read **4:15:52**
